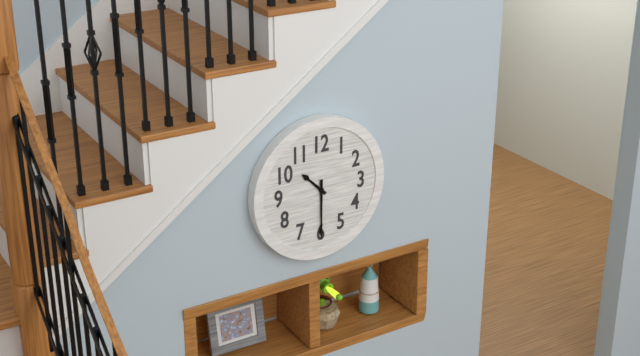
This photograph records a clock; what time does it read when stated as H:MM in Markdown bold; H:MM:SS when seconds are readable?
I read **10:30**
